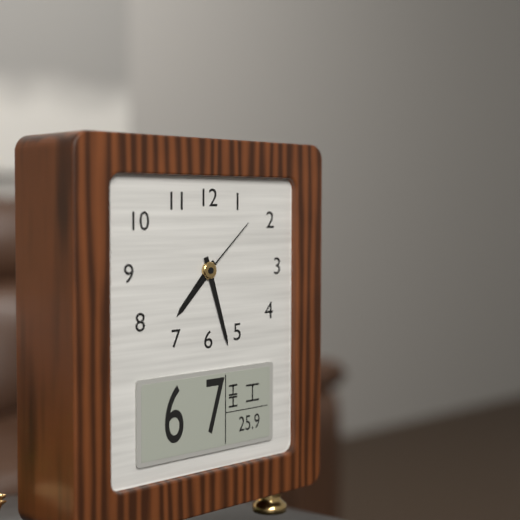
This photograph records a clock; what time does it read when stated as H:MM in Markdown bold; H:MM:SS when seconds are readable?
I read **7:27:08**
